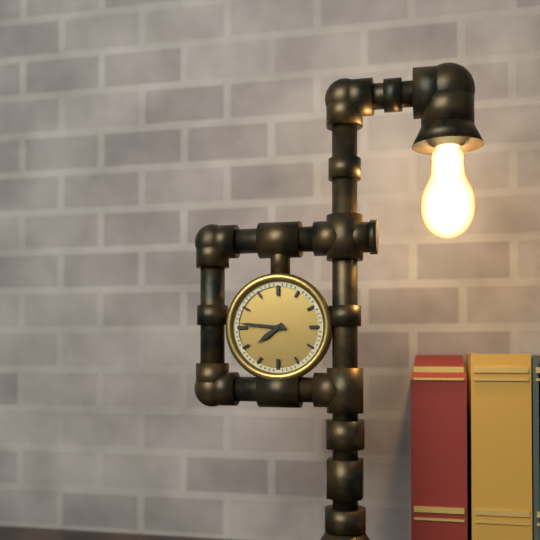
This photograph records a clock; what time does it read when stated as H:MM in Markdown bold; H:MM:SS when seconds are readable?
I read **7:46**
